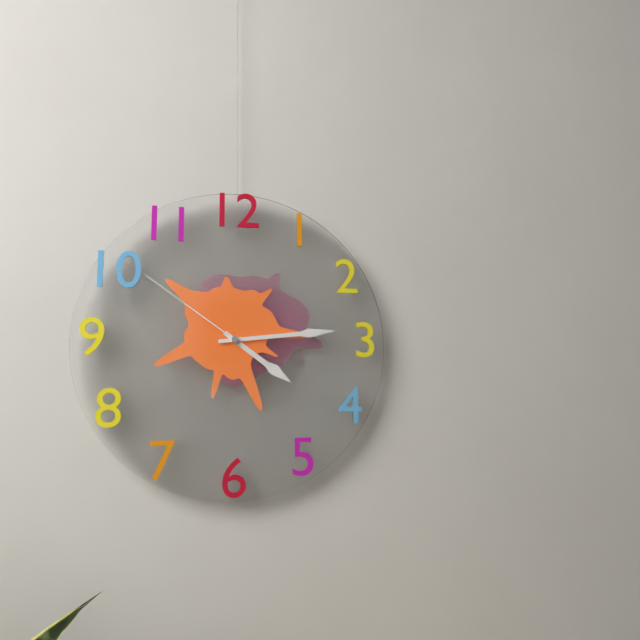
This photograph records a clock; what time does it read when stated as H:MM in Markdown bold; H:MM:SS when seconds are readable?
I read **4:14:51**
